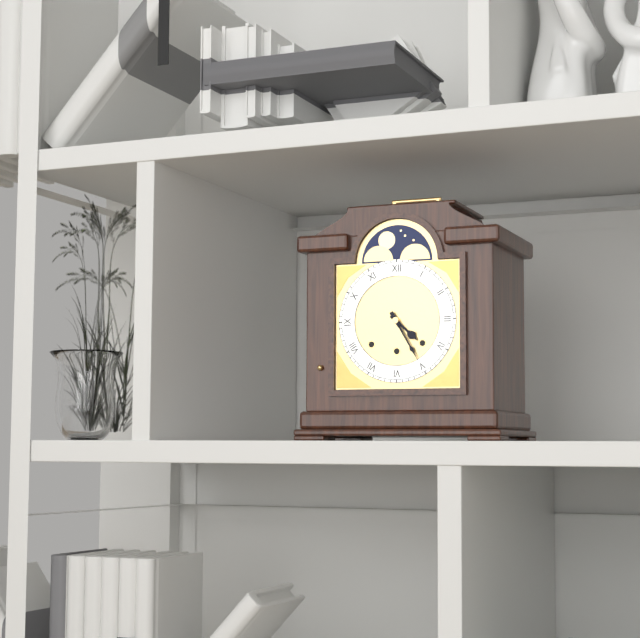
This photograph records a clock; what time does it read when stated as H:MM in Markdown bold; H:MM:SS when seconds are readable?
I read **4:25**
